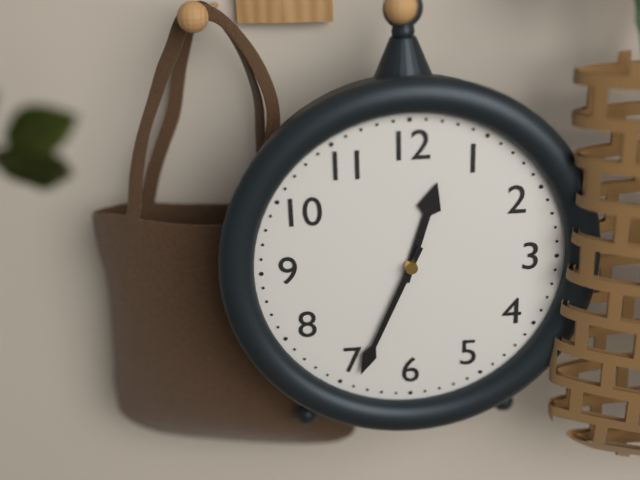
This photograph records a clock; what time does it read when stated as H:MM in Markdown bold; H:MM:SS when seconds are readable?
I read **12:34**
